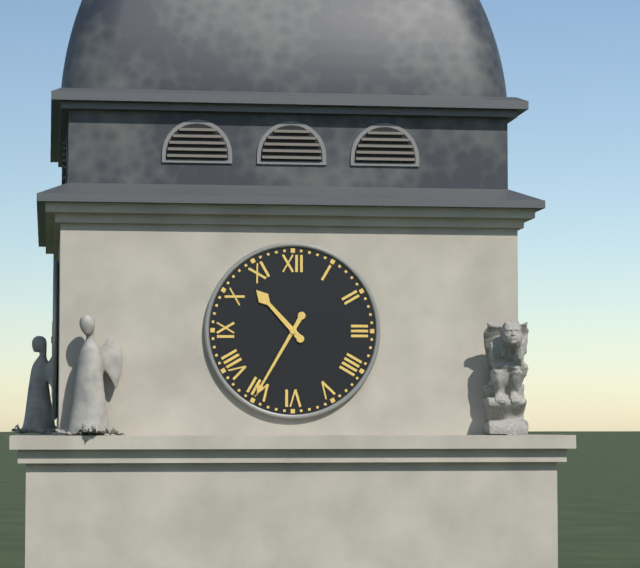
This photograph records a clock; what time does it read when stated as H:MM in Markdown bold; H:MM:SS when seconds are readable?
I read **10:35**
